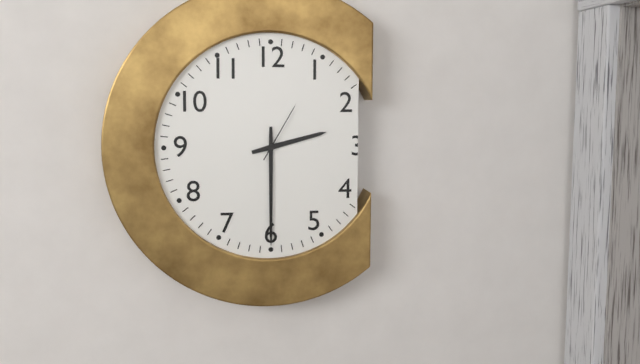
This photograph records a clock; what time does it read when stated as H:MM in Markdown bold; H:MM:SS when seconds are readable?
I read **2:30:05**
